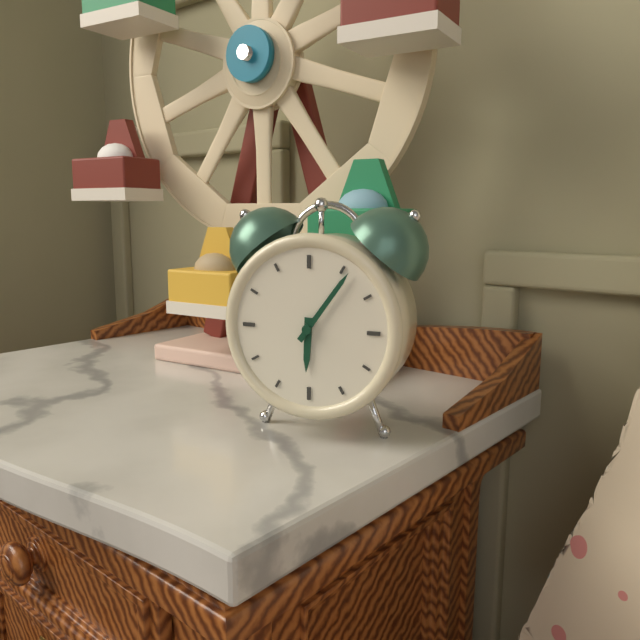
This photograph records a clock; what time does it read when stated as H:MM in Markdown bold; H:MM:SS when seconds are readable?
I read **6:06**
